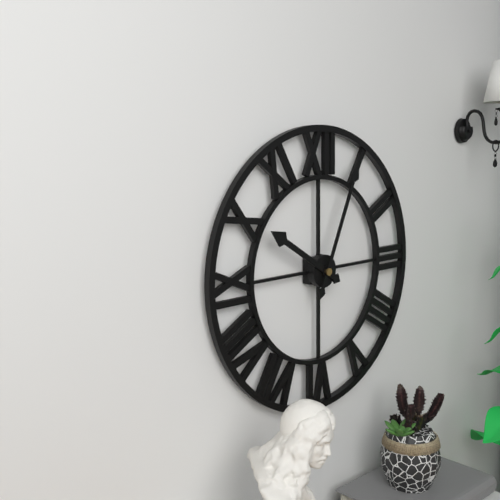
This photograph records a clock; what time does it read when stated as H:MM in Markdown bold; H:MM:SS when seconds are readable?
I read **10:04**
